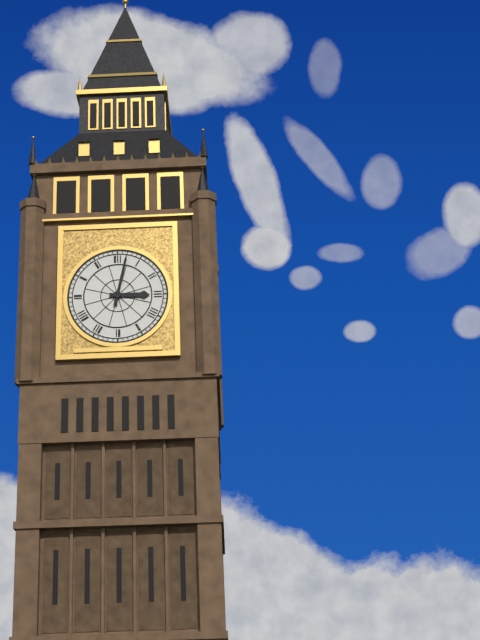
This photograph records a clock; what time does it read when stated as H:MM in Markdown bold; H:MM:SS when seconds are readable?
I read **3:02**
